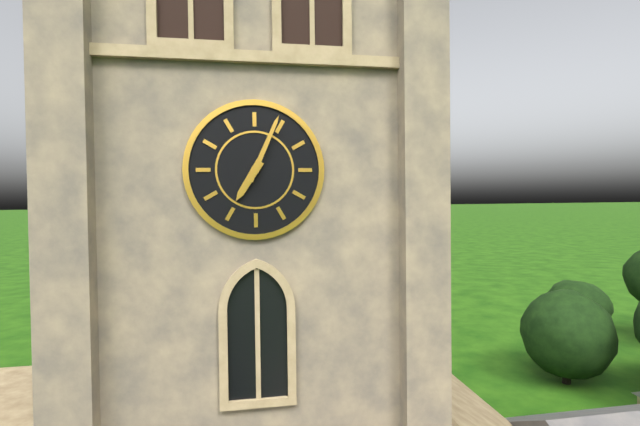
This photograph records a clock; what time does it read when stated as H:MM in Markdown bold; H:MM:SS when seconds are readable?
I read **7:04**
